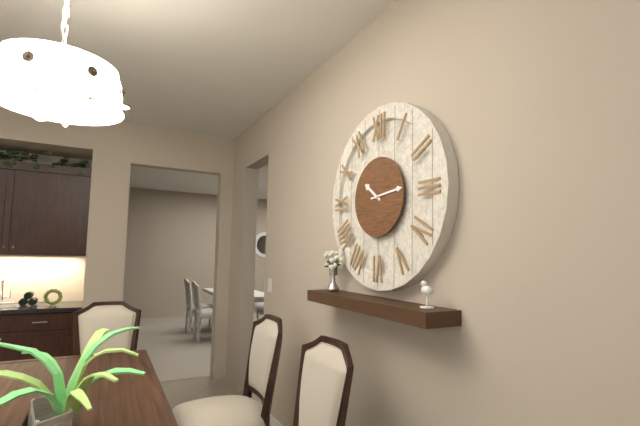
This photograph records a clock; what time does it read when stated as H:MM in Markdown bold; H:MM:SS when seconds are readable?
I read **10:14**
